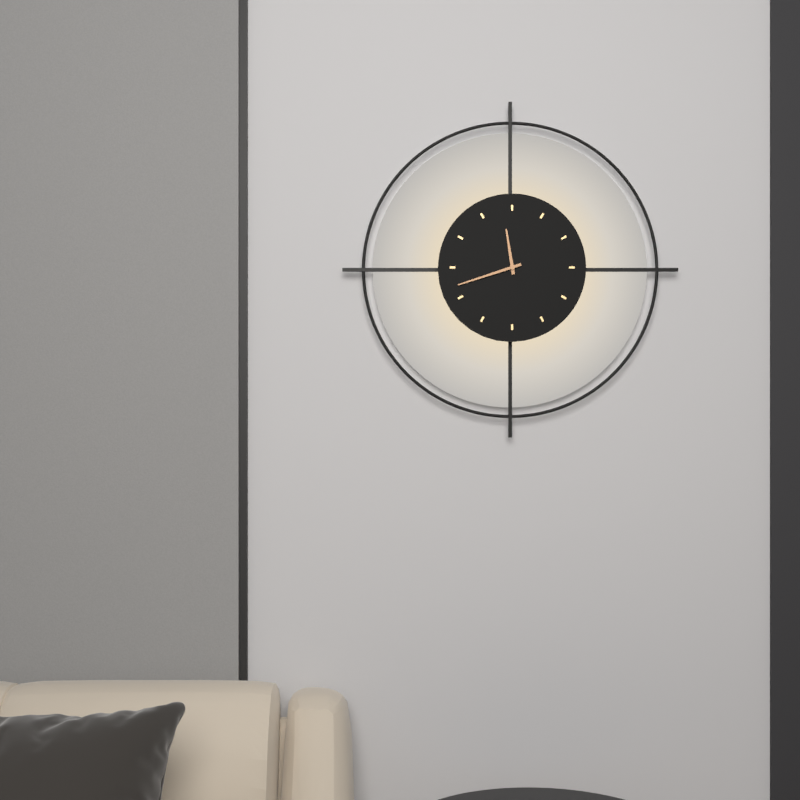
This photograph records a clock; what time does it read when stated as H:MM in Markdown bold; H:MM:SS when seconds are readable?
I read **11:42**
